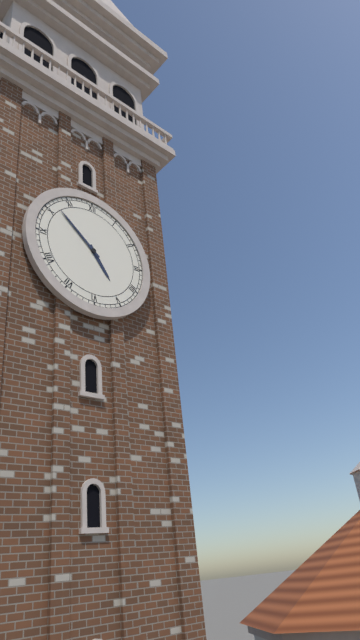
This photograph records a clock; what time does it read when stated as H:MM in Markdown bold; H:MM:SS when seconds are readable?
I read **4:52**
